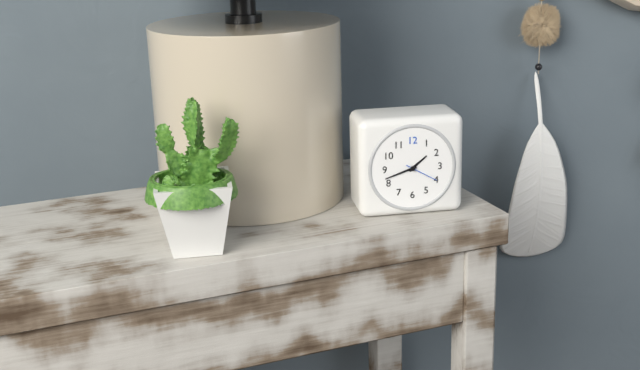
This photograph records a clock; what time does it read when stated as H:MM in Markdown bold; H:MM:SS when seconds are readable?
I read **1:42**
